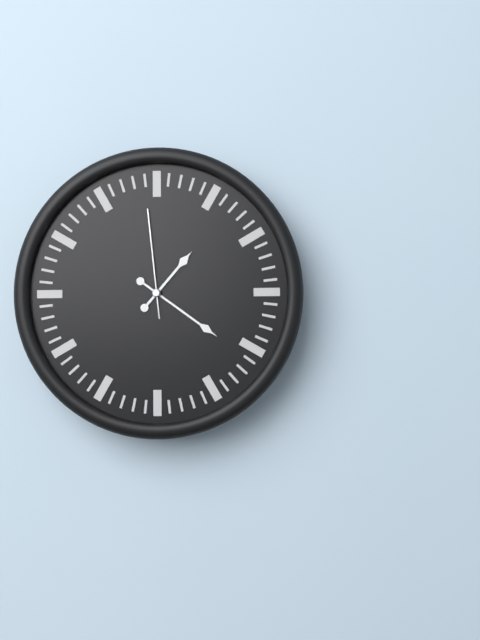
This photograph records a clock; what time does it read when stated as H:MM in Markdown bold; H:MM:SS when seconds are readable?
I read **1:21:59**
